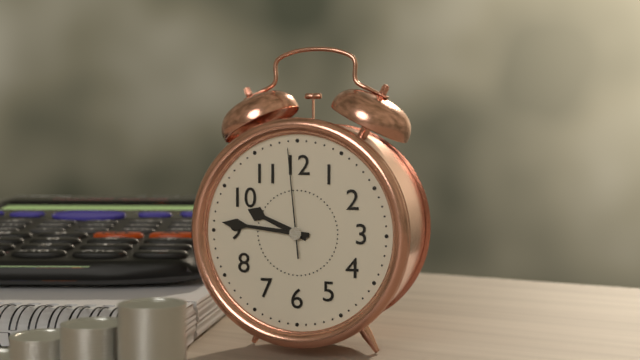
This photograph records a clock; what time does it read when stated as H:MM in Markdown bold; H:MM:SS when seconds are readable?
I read **9:46:59**
